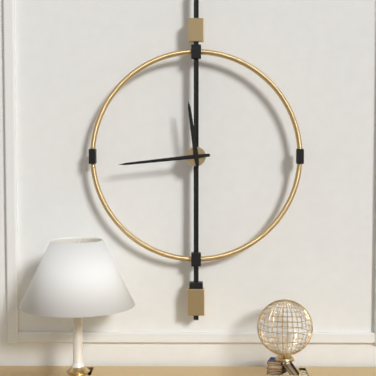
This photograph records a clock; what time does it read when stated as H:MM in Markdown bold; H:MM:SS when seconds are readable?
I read **11:44**
